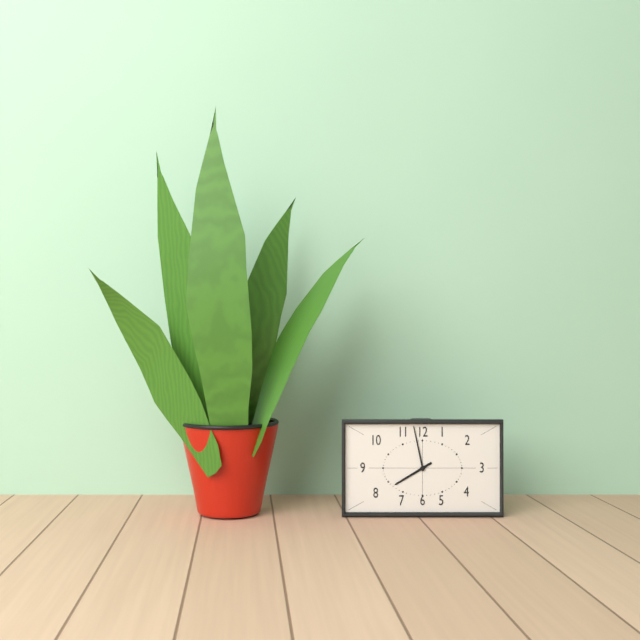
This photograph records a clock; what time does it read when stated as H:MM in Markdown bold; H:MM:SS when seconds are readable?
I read **7:58**
